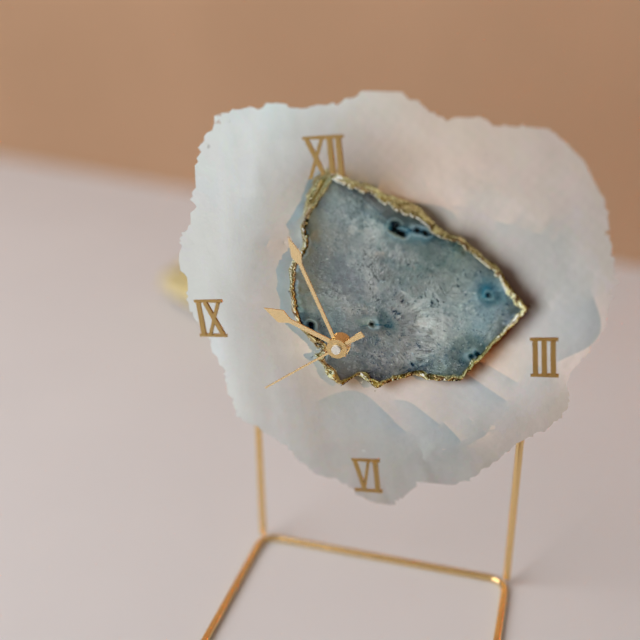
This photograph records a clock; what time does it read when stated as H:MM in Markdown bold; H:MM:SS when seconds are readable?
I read **9:57:40**
